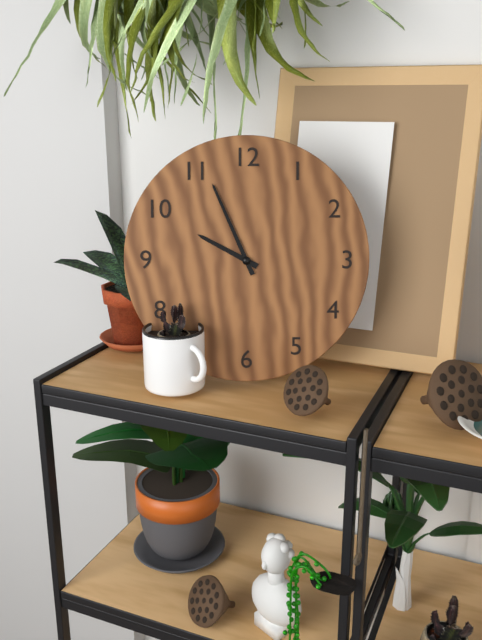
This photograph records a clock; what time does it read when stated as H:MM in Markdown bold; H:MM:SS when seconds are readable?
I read **9:56**
